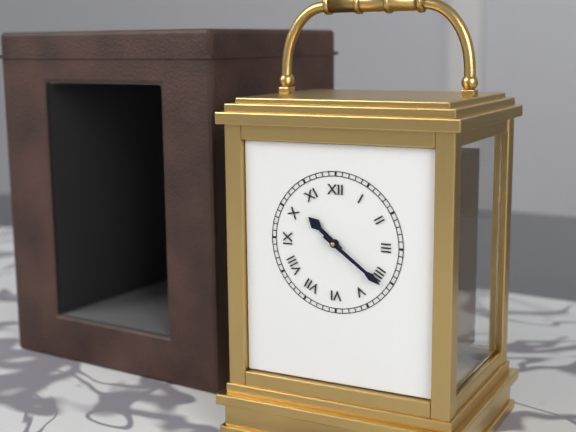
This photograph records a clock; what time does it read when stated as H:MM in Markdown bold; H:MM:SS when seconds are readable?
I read **10:21**
